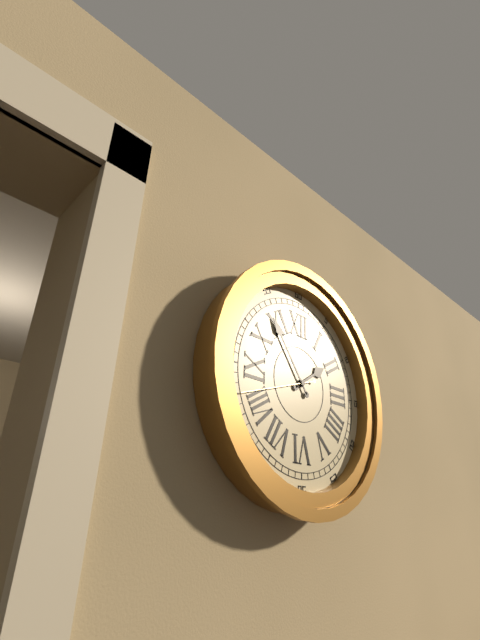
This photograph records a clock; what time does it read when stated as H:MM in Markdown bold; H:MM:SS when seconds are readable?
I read **1:54:42**
